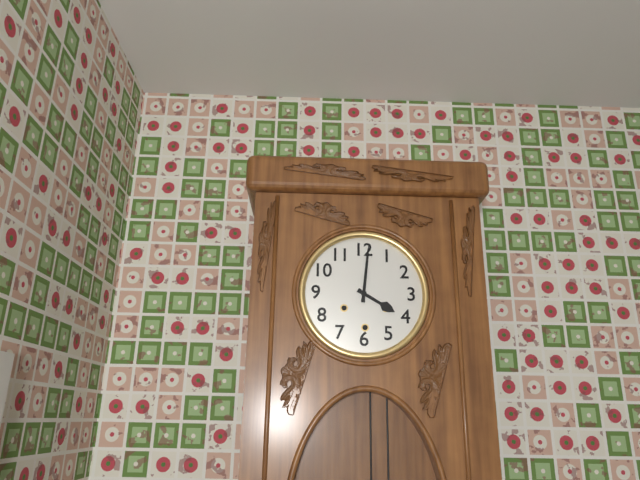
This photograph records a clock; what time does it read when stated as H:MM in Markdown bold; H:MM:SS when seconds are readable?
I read **4:01**
